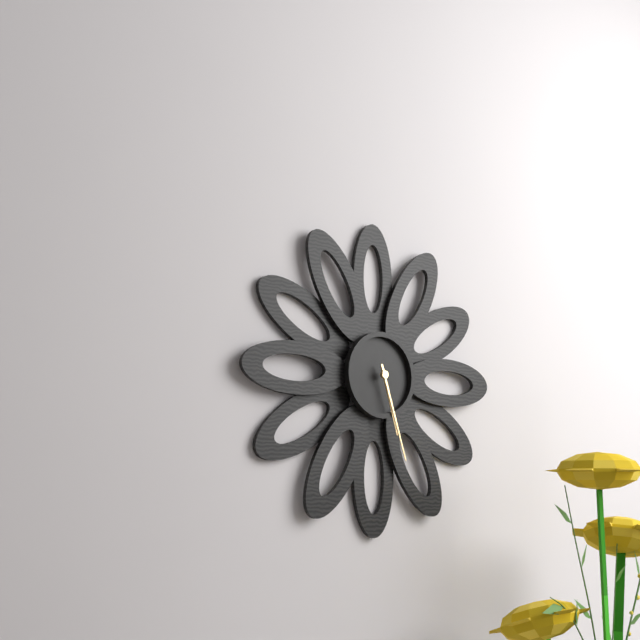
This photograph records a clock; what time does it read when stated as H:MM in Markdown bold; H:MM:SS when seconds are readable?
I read **5:27**
